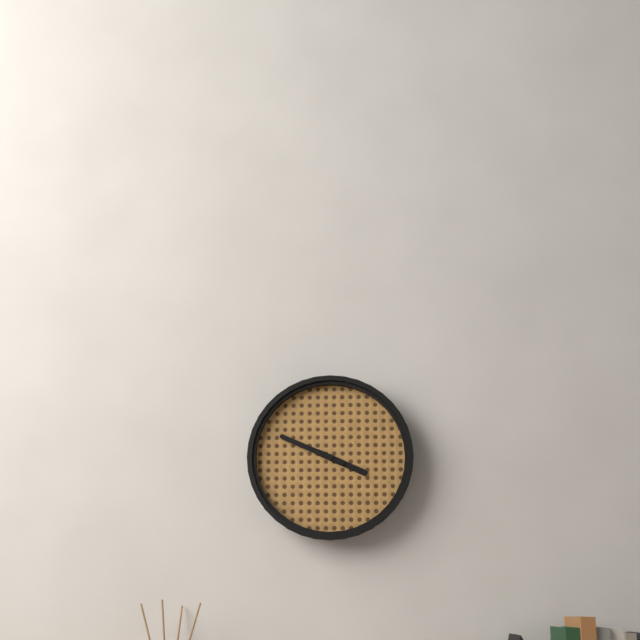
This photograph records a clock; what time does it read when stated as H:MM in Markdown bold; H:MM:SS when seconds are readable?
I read **3:49**
